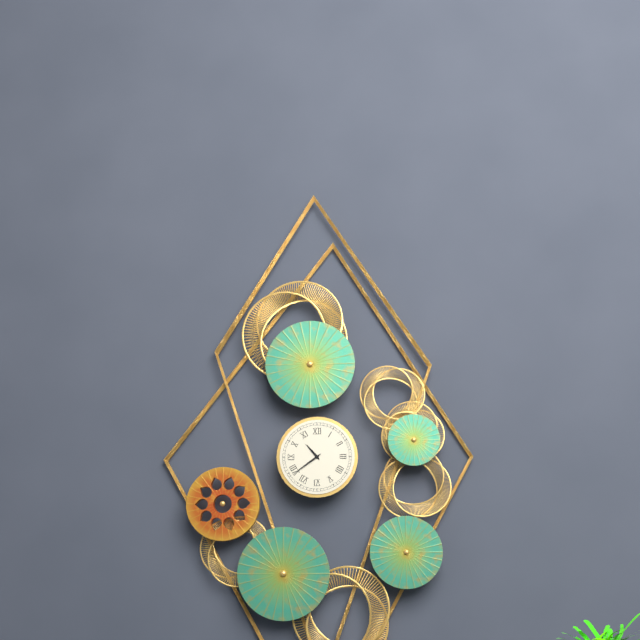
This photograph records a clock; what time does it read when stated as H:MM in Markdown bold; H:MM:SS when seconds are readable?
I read **10:39**
